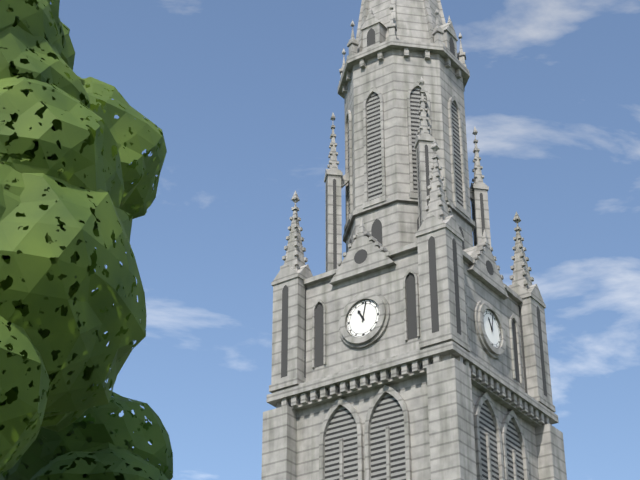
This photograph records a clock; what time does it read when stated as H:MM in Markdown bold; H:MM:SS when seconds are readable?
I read **11:02**
